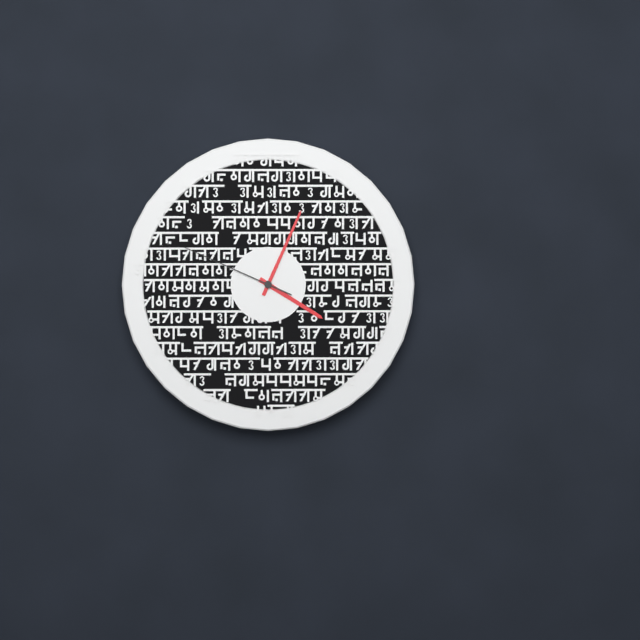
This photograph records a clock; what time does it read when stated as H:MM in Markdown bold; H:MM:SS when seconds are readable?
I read **4:04:49**
